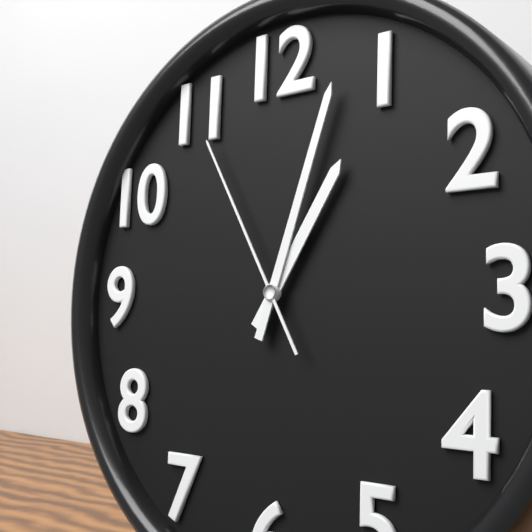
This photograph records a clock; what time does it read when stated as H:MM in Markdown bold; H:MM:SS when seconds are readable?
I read **1:03:55**
